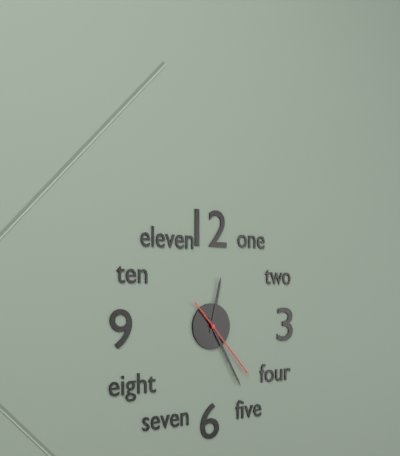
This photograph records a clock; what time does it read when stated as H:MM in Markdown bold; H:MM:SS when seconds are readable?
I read **12:25:23**
